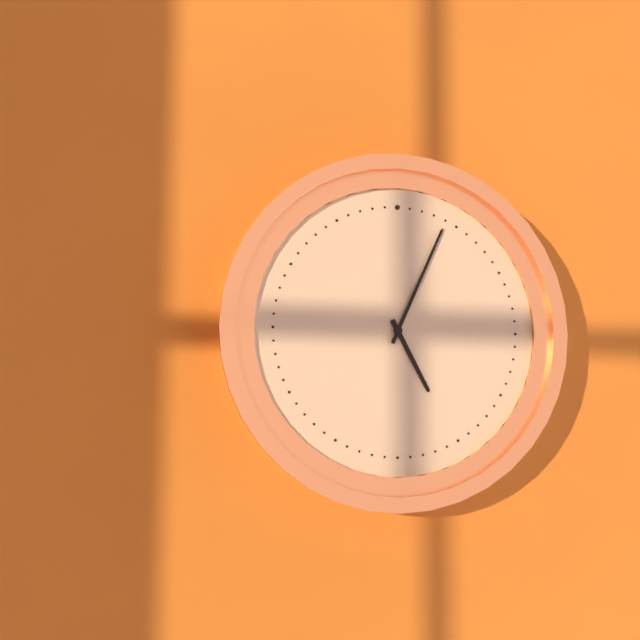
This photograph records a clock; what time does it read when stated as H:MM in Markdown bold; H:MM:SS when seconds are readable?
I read **5:04**
